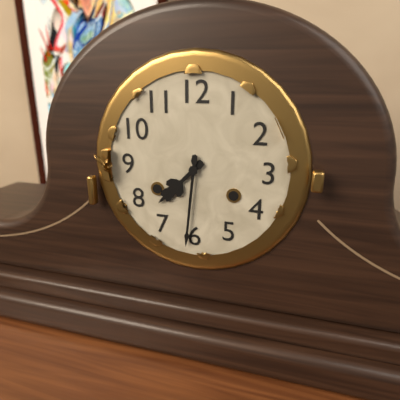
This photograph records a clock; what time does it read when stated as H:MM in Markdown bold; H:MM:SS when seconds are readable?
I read **7:31**
